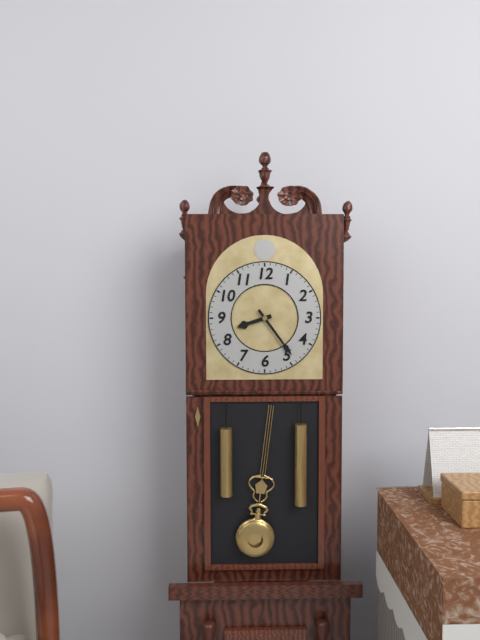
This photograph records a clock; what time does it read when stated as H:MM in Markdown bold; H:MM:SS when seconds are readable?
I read **8:24**
